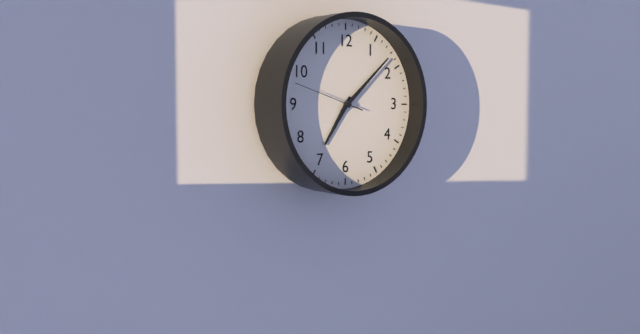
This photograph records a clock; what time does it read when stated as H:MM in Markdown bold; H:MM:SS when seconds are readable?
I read **7:08**
